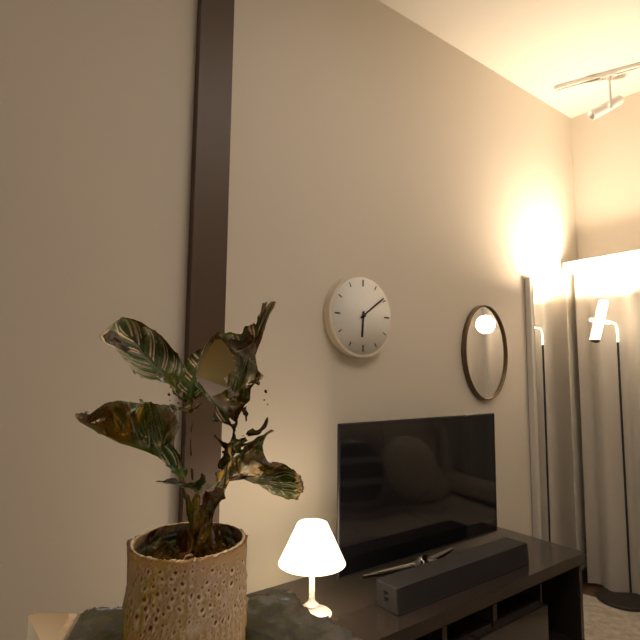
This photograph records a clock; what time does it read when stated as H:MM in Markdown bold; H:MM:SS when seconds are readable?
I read **6:09**
